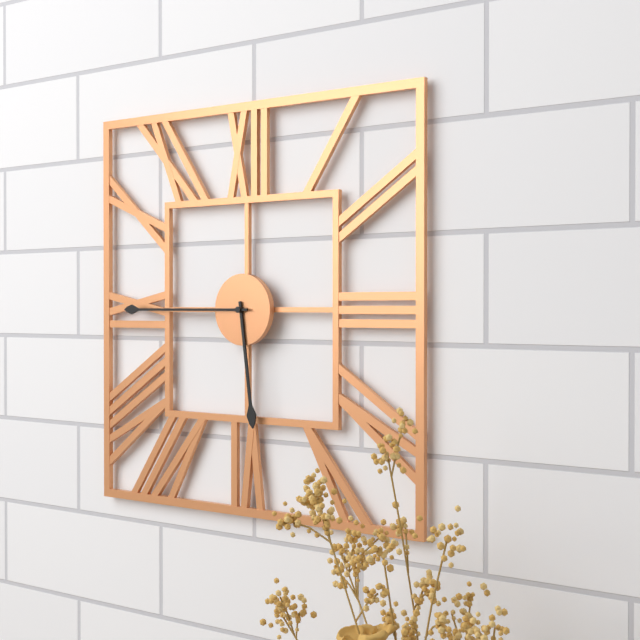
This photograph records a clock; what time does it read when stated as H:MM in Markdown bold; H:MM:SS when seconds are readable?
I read **5:45**
